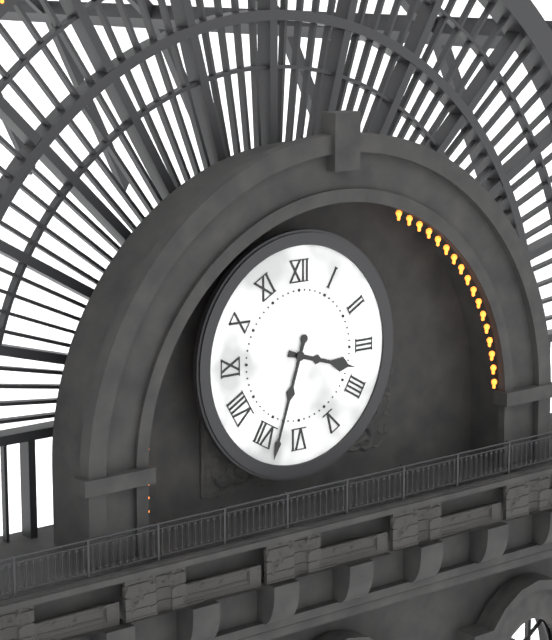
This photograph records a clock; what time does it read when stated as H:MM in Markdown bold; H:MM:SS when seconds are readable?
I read **3:33**
